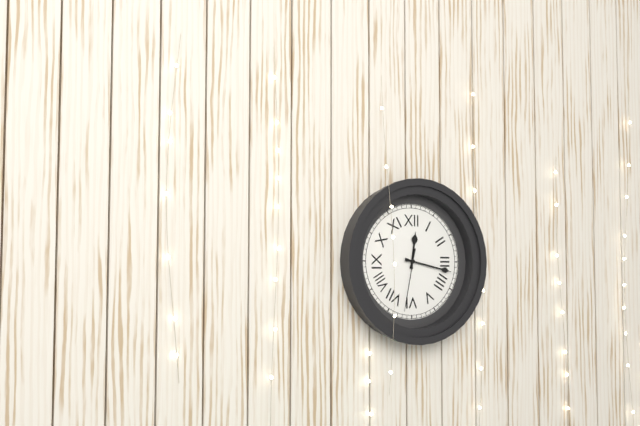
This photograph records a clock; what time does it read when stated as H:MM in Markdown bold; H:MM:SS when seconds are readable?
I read **12:17:32**
